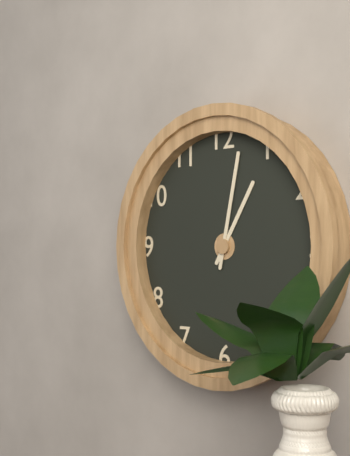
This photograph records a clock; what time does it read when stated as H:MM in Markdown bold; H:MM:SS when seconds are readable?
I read **1:02**
